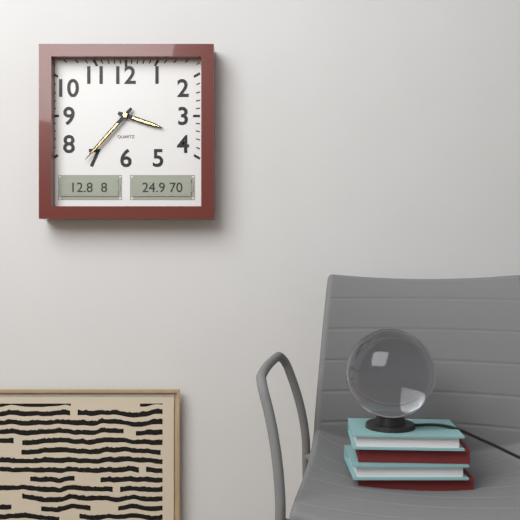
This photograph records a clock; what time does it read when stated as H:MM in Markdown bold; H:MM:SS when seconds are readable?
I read **3:37**
